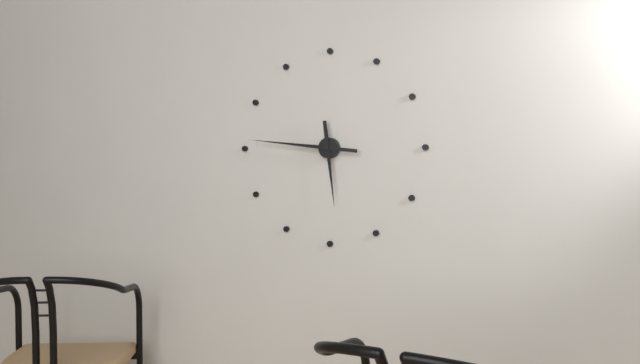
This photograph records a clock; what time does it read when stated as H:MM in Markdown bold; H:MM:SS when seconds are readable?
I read **5:46**
